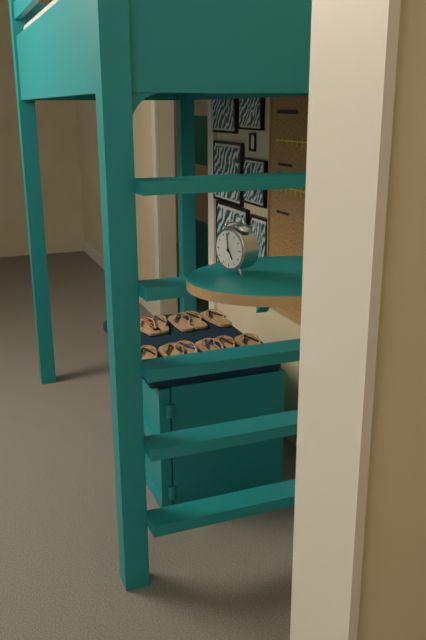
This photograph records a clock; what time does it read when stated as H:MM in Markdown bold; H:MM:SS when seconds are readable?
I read **4:59**
